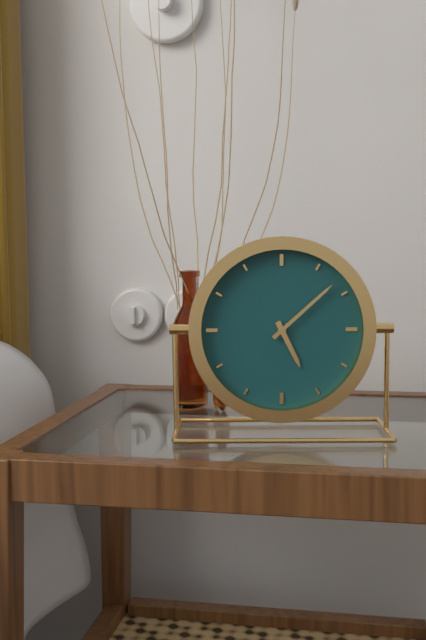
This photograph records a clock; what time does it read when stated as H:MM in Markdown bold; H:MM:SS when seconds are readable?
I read **5:08**
